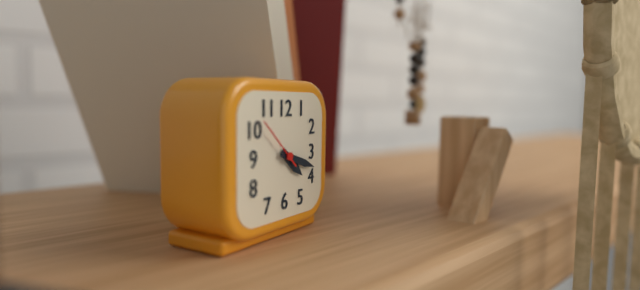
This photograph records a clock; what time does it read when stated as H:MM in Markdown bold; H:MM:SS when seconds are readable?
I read **4:18**
